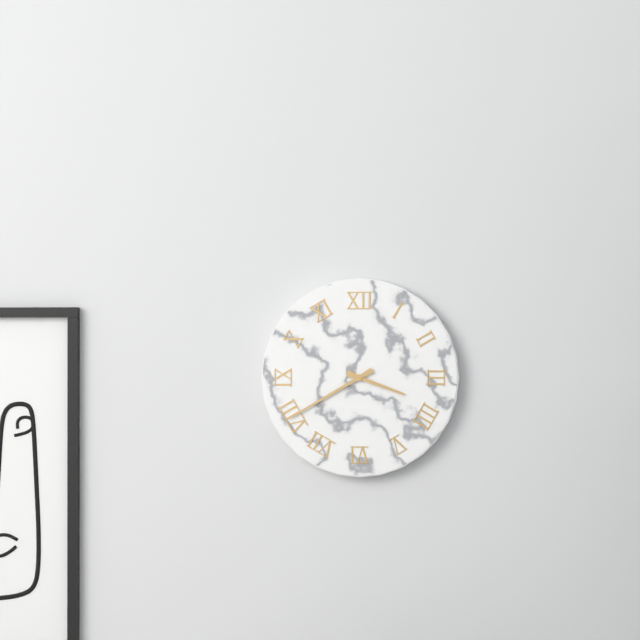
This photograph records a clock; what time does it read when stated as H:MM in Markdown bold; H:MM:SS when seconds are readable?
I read **3:40**
